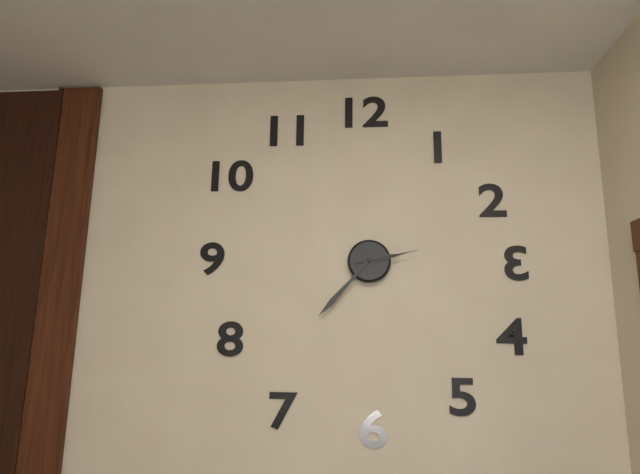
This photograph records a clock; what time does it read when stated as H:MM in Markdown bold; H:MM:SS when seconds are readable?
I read **2:37:13**
